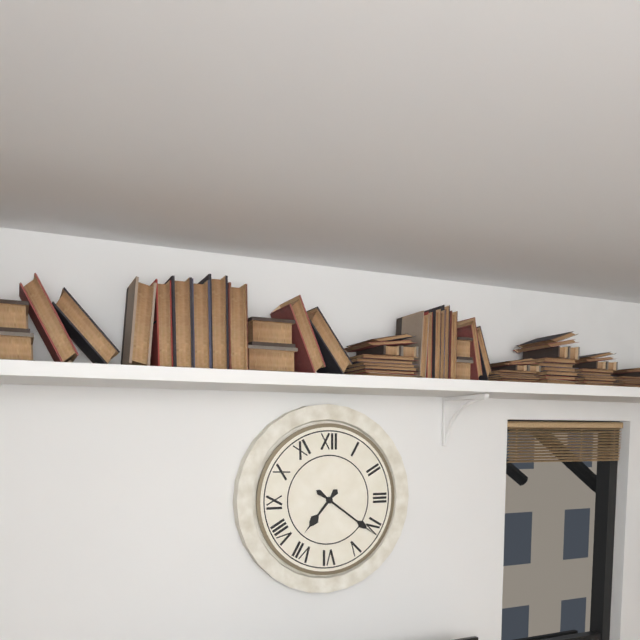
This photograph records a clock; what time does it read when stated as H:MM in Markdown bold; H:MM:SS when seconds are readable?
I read **7:21**
